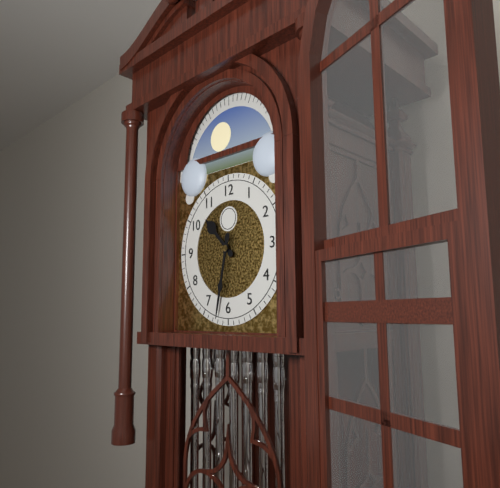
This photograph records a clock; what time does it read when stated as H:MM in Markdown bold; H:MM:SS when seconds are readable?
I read **10:32**
